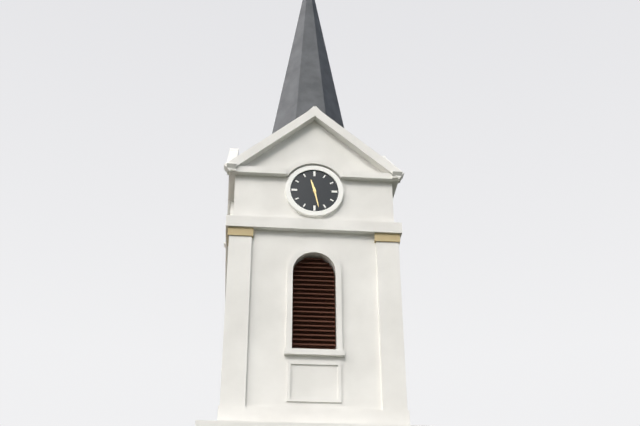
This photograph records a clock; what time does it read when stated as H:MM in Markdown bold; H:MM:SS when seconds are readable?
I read **11:28**
